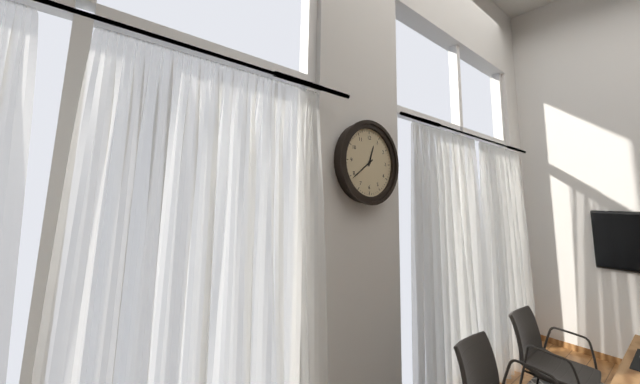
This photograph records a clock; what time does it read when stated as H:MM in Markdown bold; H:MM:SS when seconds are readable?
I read **12:39**
